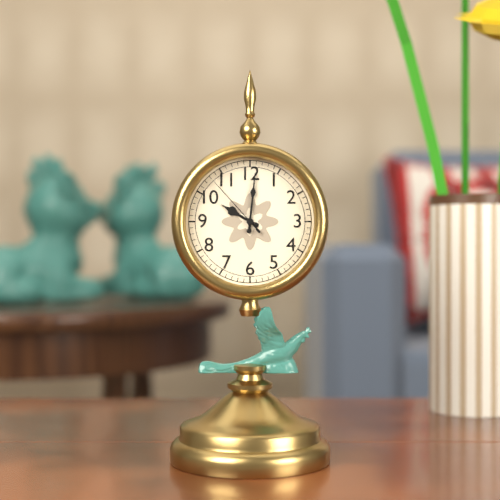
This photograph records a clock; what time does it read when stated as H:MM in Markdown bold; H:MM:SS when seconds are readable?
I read **10:01:53**
